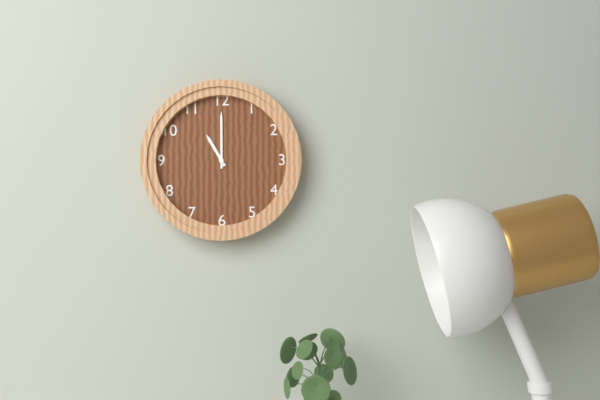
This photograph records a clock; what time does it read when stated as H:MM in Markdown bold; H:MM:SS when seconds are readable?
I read **11:00**
